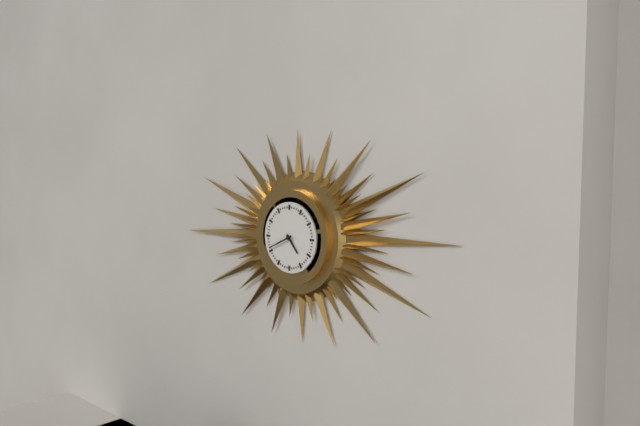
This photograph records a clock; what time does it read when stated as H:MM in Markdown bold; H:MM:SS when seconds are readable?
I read **4:41**
